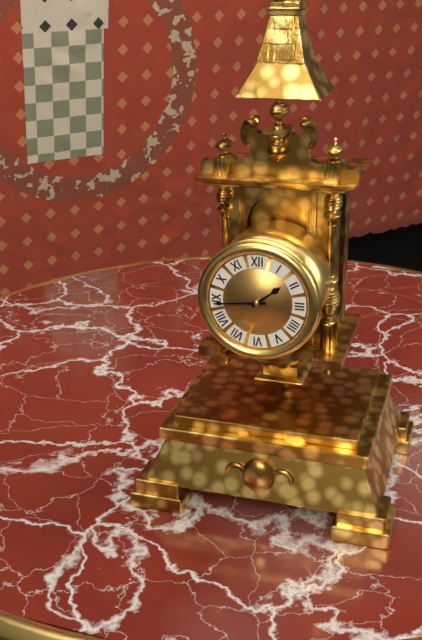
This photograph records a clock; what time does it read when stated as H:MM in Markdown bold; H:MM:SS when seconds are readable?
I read **1:44**
